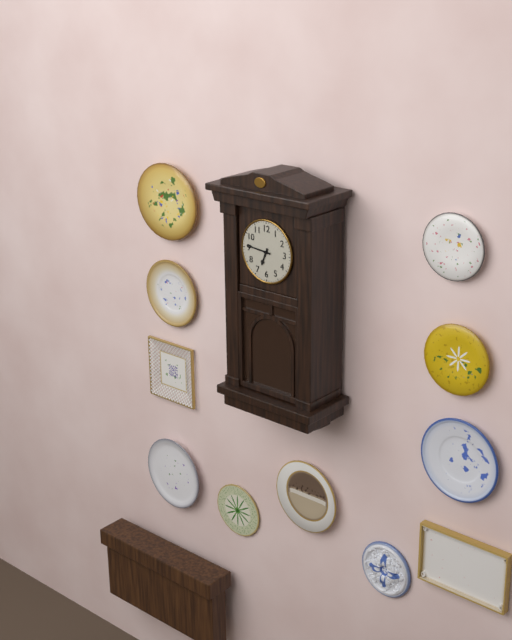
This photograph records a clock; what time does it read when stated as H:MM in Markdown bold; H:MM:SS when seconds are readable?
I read **6:46**
